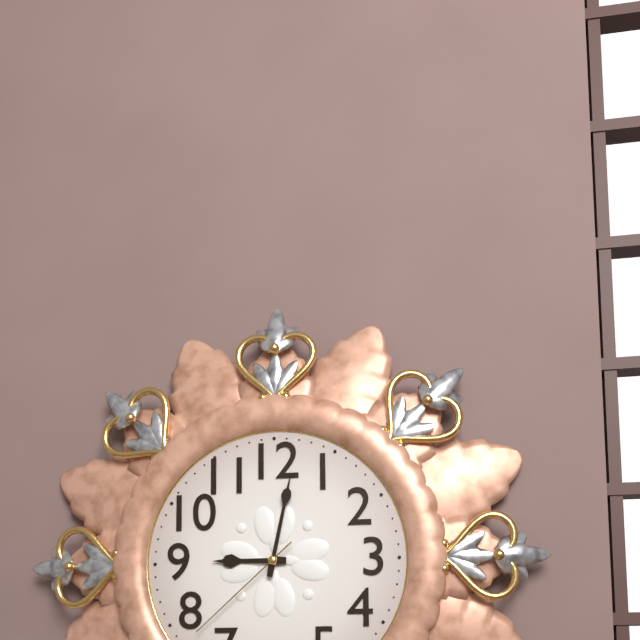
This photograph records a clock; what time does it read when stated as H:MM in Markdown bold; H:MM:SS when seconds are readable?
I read **9:02:38**
